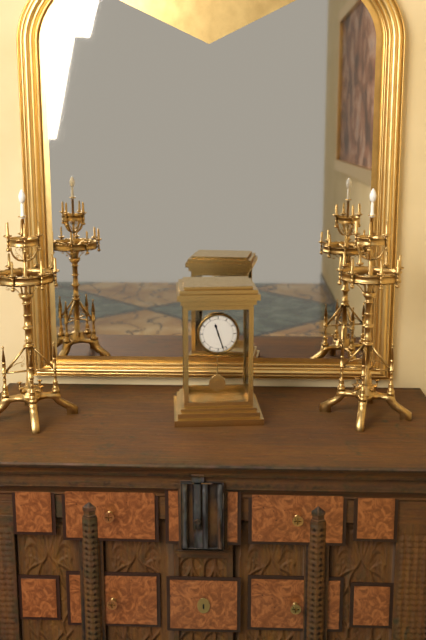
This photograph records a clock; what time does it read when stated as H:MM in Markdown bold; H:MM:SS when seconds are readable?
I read **11:27**
